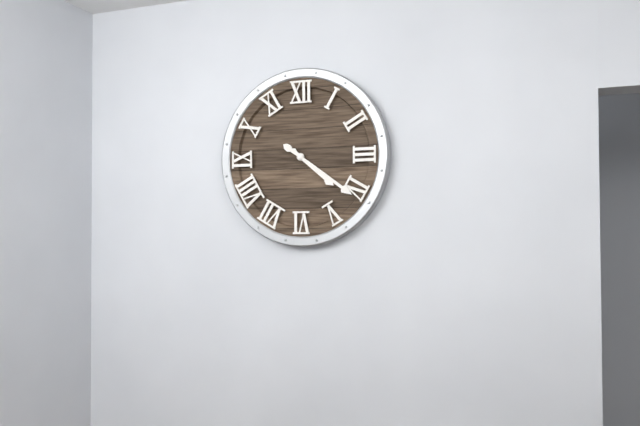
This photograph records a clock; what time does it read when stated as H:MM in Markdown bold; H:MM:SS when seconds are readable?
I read **4:21**
